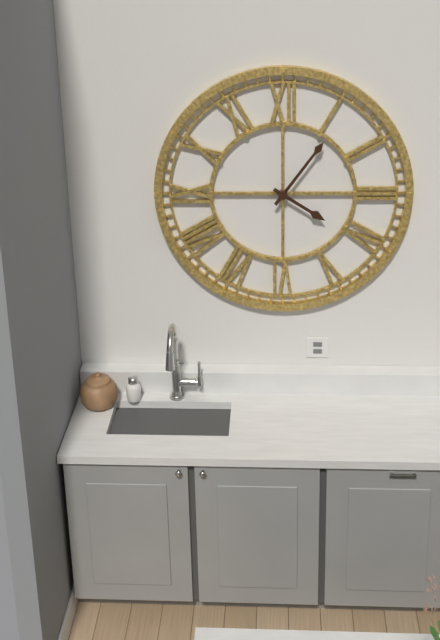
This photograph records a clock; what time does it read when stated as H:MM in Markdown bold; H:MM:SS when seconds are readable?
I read **4:06**
